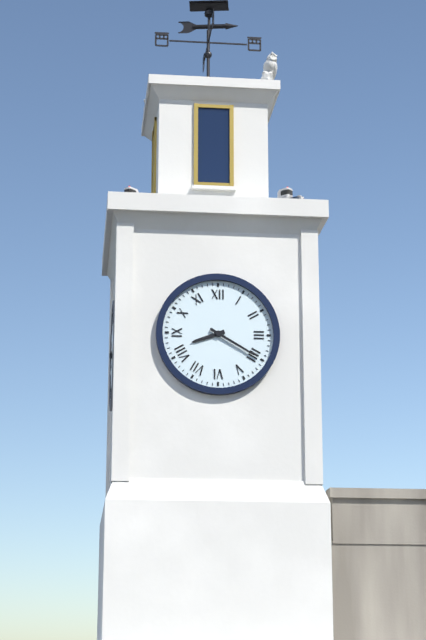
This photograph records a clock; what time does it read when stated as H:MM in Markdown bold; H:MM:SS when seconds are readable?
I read **8:20**
